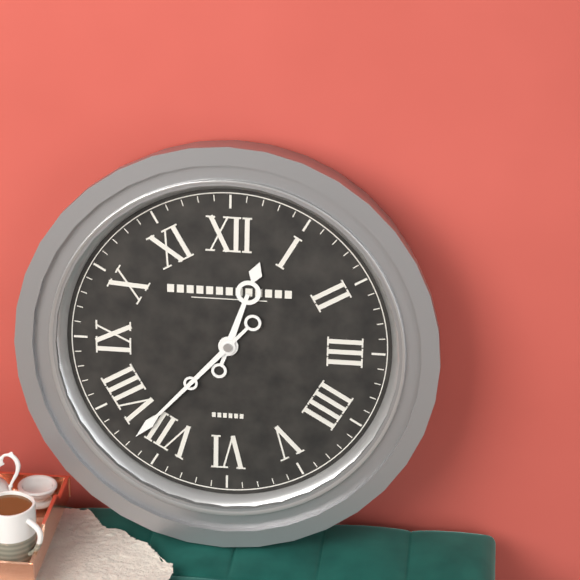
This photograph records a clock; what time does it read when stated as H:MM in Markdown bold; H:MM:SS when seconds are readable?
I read **12:37**
